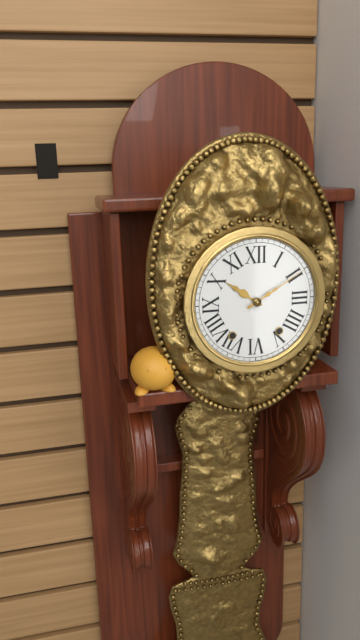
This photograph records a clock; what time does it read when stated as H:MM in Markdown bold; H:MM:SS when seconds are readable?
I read **10:10**
